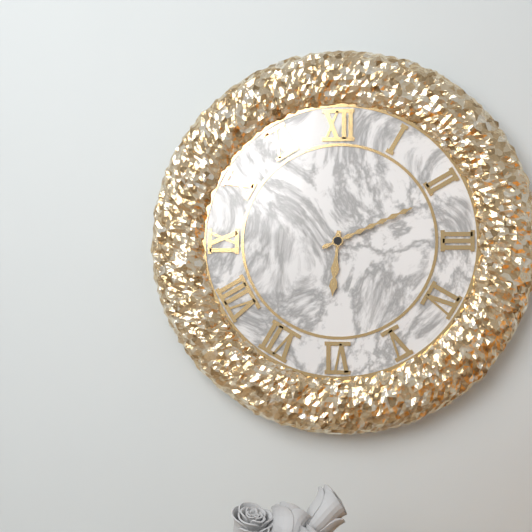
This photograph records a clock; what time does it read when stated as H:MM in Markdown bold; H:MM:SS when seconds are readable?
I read **6:11**
